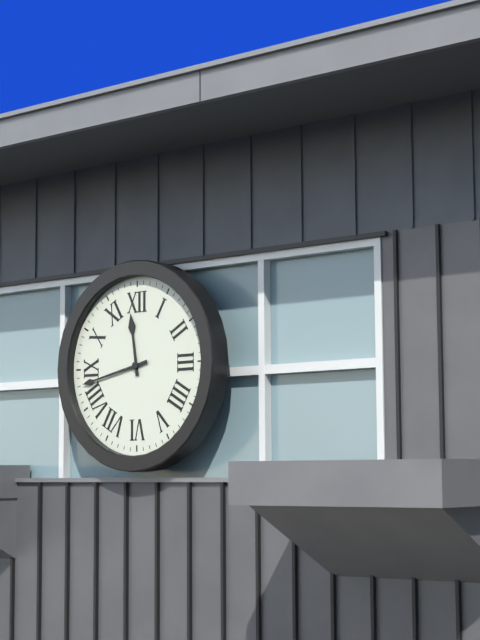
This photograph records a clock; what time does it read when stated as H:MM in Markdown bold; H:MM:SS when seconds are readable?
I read **11:43**
